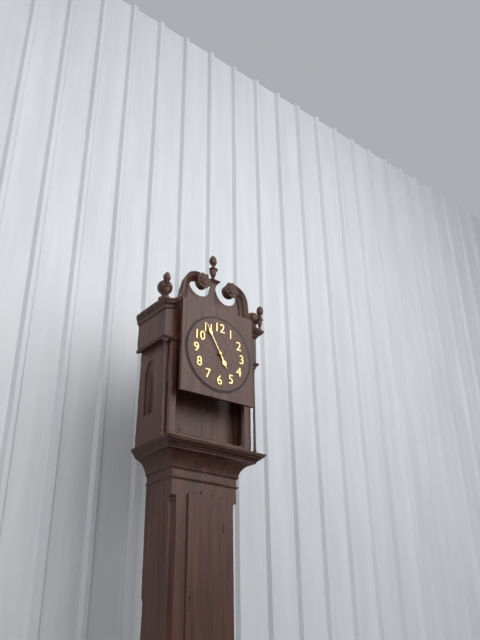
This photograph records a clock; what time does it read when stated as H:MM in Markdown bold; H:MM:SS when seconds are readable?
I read **4:55**
